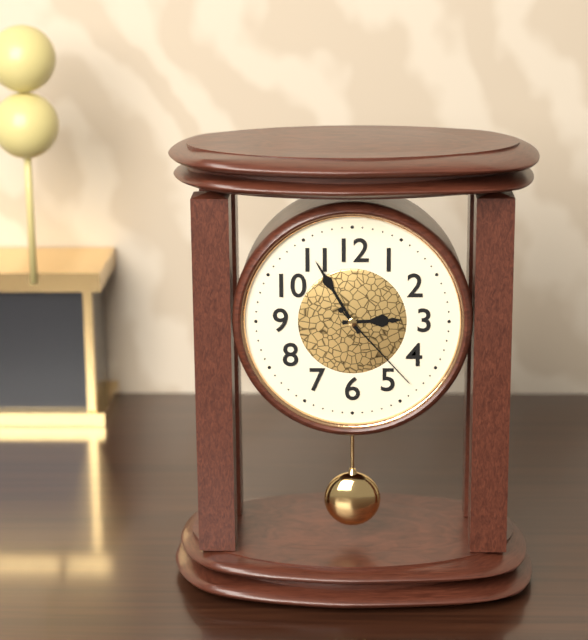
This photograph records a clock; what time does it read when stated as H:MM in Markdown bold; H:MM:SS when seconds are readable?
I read **2:55:23**
